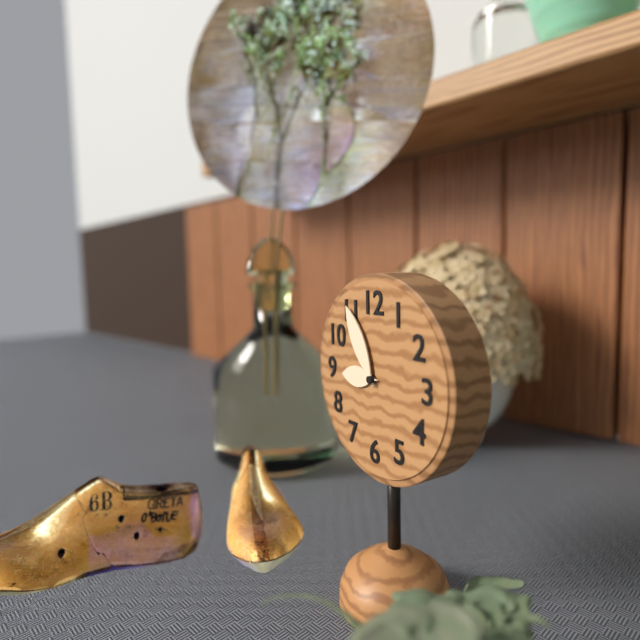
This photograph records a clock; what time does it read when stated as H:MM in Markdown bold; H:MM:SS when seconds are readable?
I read **8:55**
